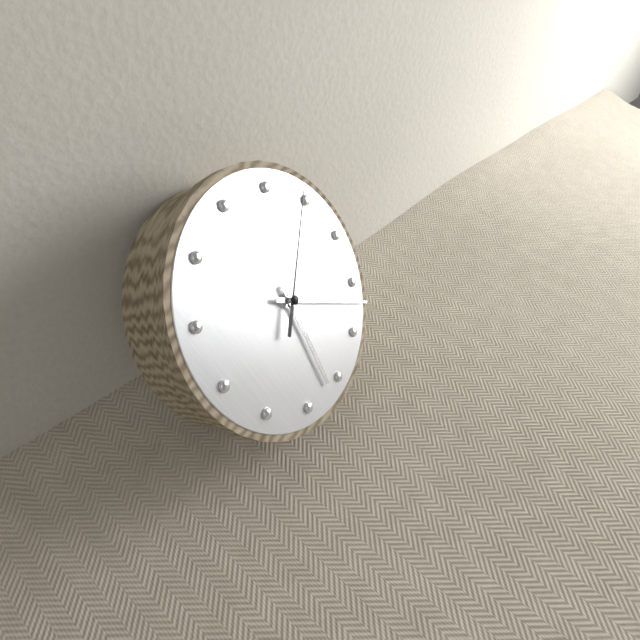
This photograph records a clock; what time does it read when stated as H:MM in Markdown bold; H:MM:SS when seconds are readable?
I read **6:22:09**
